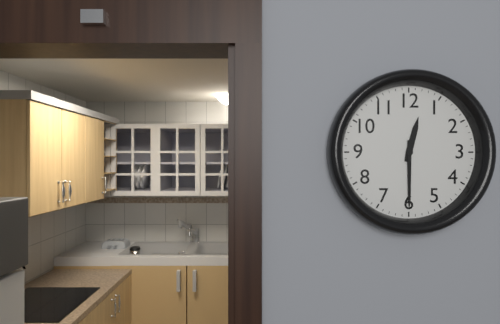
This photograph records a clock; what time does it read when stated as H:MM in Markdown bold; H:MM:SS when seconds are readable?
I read **12:30**
